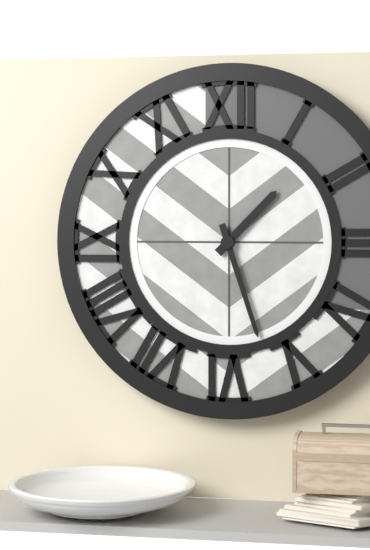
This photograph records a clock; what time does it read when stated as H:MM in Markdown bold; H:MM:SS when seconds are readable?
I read **1:27**
